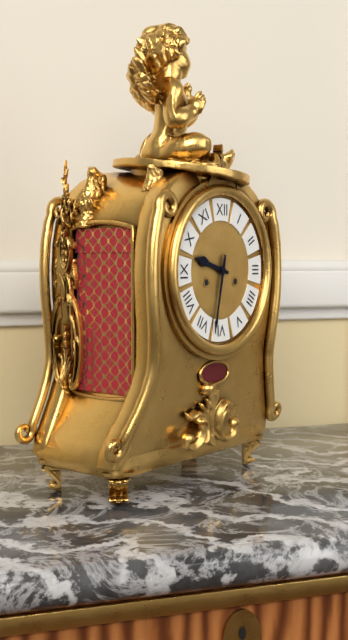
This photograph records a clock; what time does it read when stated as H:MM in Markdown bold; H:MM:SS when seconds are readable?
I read **9:32**
